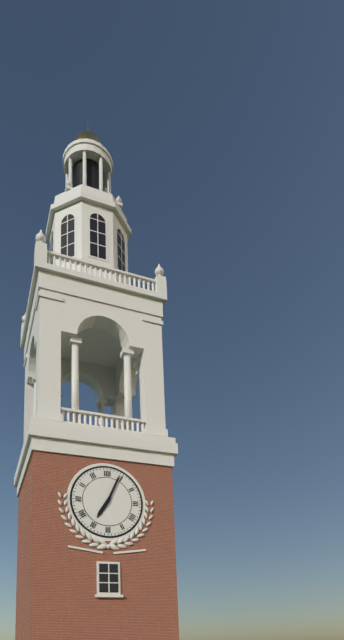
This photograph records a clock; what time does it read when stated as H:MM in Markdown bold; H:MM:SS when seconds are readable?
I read **7:04**
